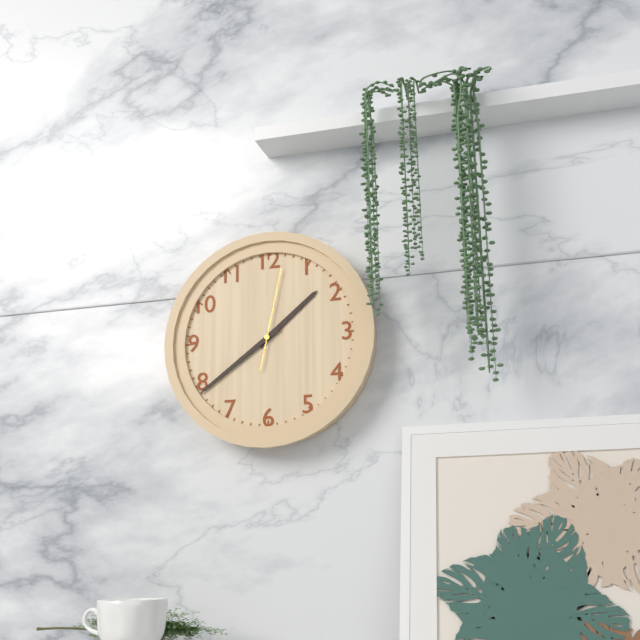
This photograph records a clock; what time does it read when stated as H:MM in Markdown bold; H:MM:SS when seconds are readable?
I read **1:39:02**
